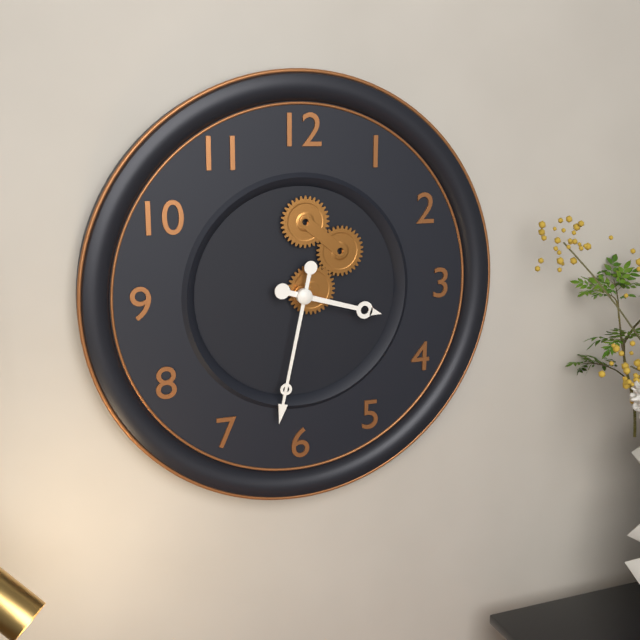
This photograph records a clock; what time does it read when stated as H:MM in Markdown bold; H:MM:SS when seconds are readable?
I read **3:32**
